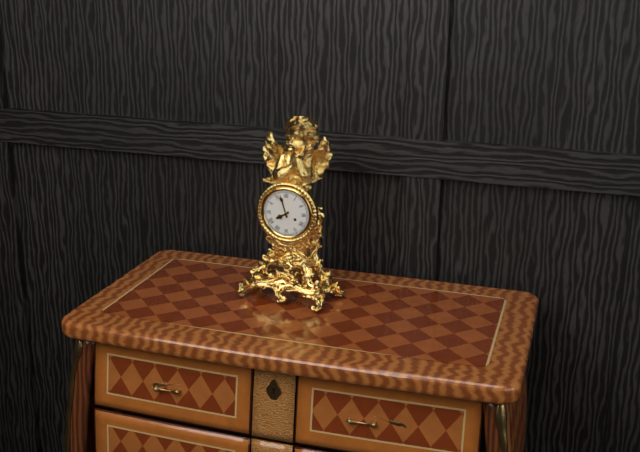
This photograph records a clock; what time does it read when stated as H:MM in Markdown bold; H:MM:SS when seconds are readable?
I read **7:57**
